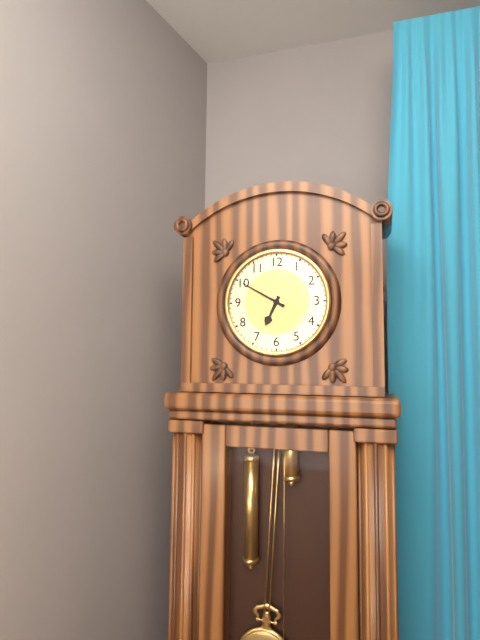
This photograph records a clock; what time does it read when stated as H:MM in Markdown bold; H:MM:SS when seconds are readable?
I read **6:50**
